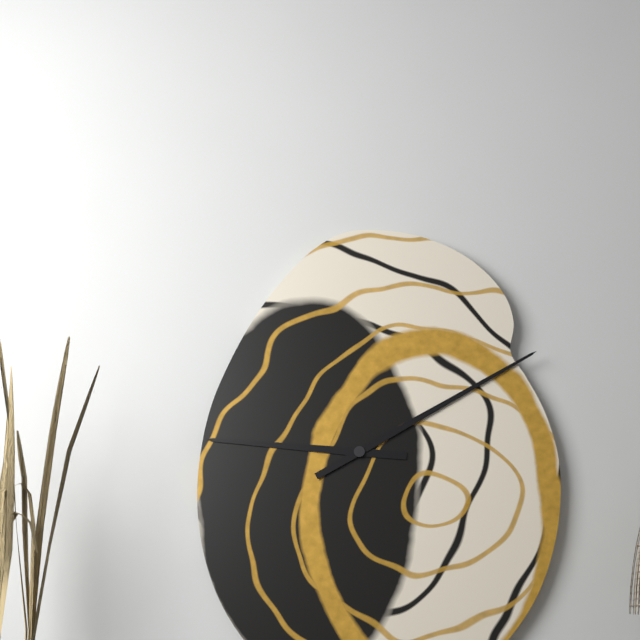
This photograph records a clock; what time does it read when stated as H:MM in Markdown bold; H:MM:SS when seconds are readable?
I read **9:10**
